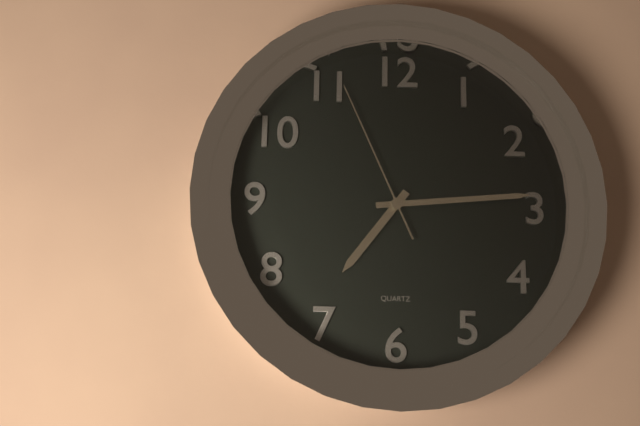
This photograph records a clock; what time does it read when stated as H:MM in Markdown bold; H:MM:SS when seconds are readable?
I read **7:14:56**
